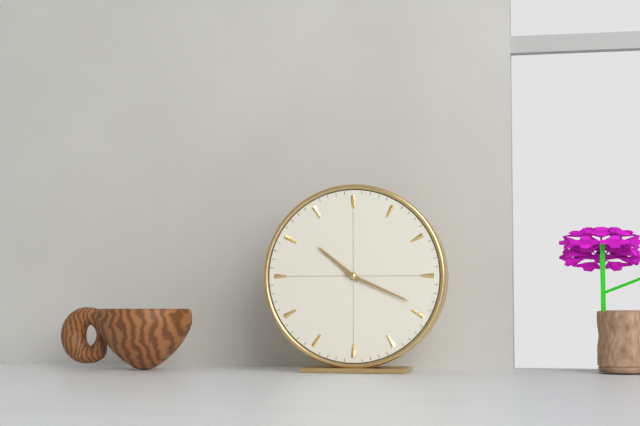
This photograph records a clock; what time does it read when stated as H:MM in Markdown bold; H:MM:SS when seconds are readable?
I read **10:19**
